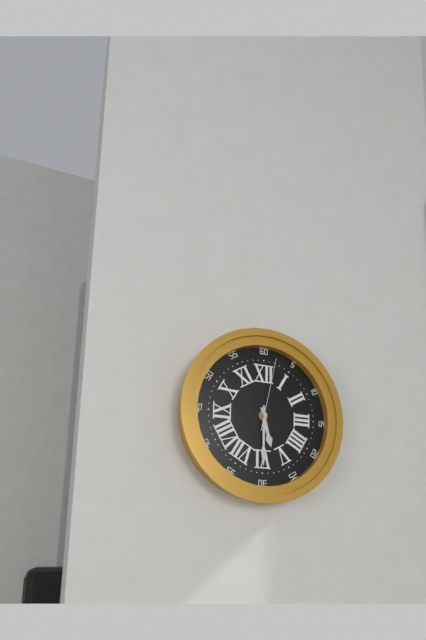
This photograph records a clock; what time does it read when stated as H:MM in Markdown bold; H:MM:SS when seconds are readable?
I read **5:30:02**
